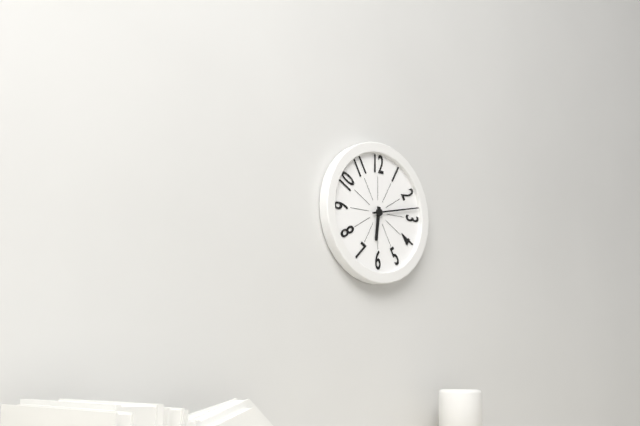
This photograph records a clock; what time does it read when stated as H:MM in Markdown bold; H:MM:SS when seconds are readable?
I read **6:13**
